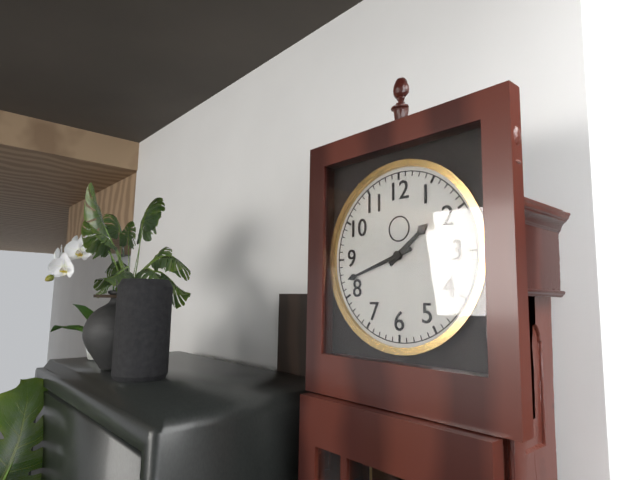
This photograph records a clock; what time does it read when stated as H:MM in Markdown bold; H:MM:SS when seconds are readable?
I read **1:42**
